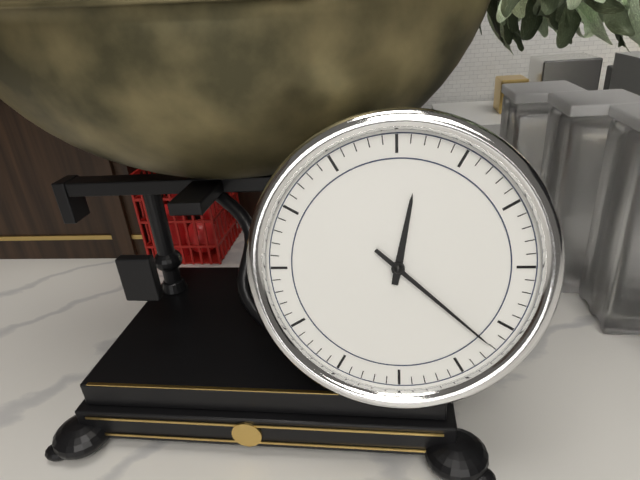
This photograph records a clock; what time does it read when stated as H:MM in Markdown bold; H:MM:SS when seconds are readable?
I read **12:22**
